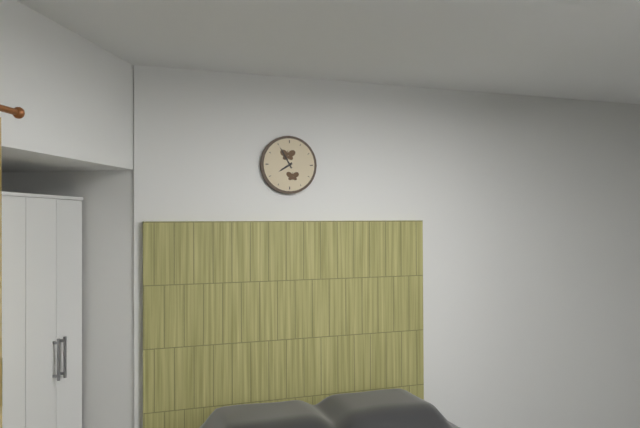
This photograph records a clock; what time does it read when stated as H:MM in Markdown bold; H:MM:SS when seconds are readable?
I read **7:55**
